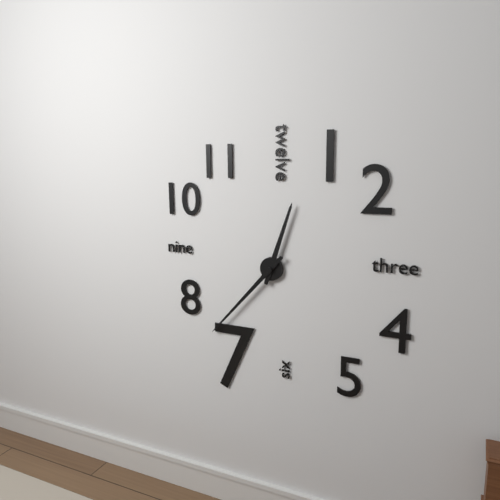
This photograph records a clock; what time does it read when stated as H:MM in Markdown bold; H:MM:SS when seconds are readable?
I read **12:37**
